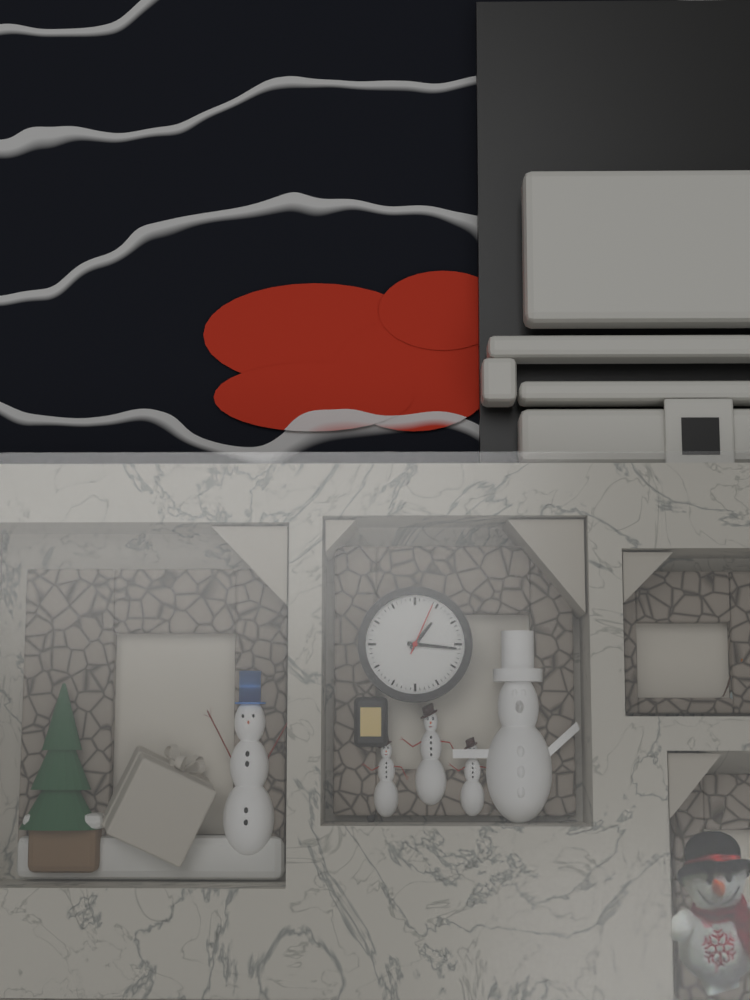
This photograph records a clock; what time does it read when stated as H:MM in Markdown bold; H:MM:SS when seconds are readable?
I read **1:16:04**
